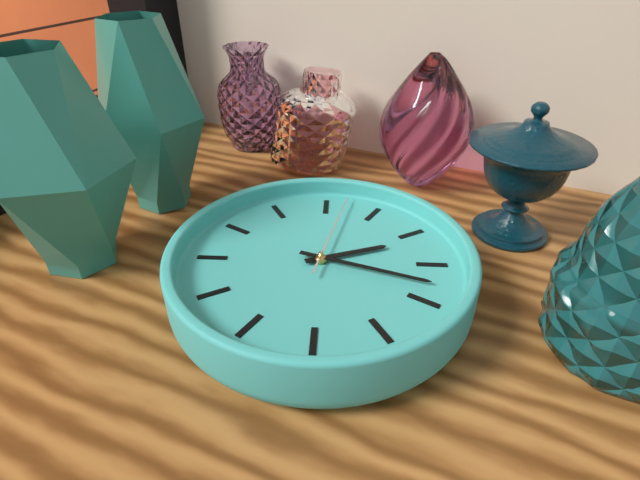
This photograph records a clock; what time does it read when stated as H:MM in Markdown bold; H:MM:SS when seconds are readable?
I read **2:18:02**
